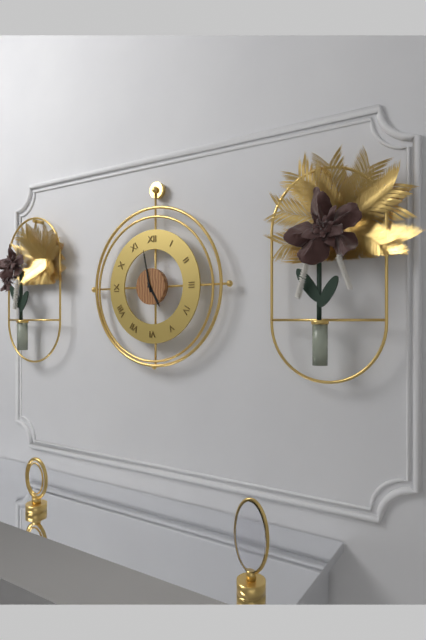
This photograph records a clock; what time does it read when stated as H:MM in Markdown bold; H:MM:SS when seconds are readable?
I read **4:58**
